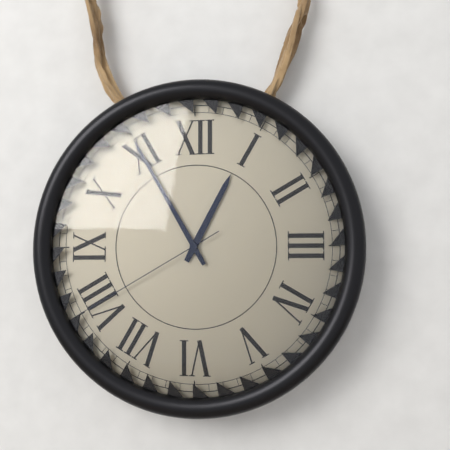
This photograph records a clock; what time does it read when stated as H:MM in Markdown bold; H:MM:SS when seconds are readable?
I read **12:55:40**
